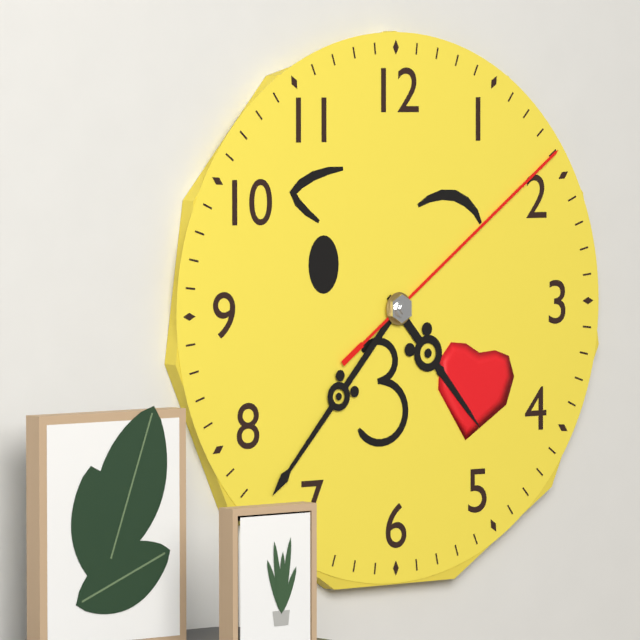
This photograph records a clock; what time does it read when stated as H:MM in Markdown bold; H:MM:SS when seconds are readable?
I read **4:37:09**
